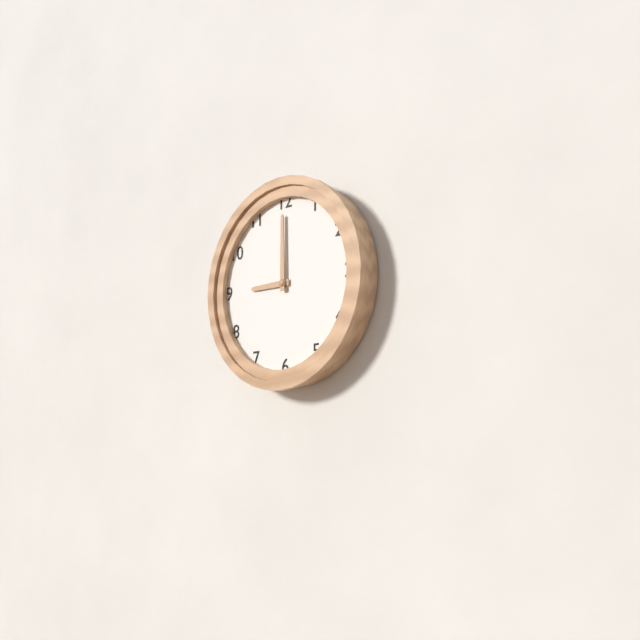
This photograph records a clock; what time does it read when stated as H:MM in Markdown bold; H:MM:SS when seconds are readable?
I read **9:00**
